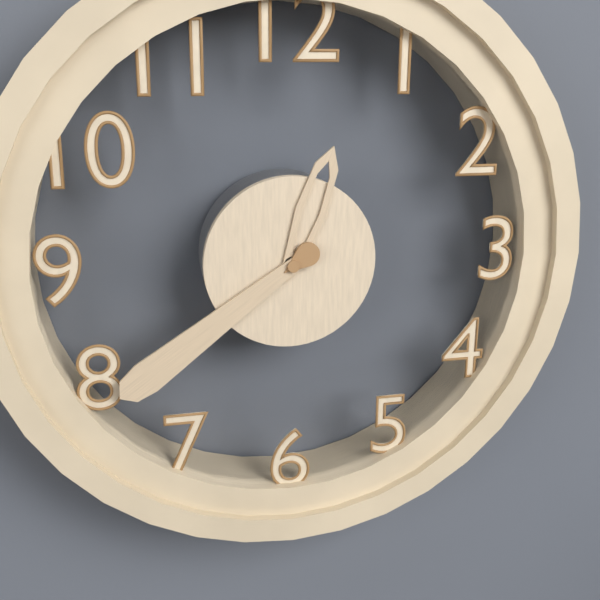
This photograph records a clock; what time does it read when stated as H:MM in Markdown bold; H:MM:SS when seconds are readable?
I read **12:39**
